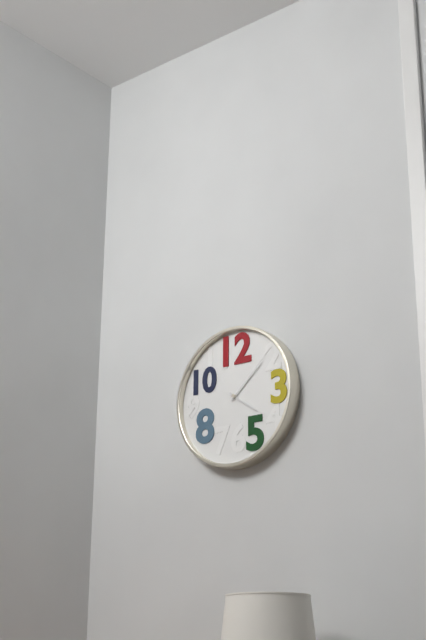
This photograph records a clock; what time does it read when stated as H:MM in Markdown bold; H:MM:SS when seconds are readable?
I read **4:08**
